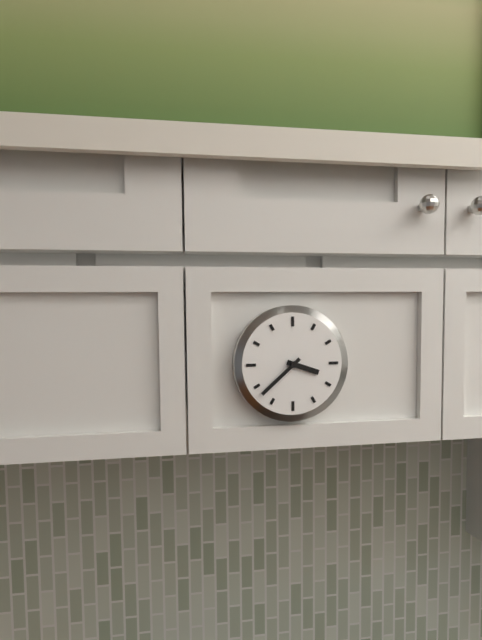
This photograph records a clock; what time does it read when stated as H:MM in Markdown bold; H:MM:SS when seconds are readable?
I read **3:38**
